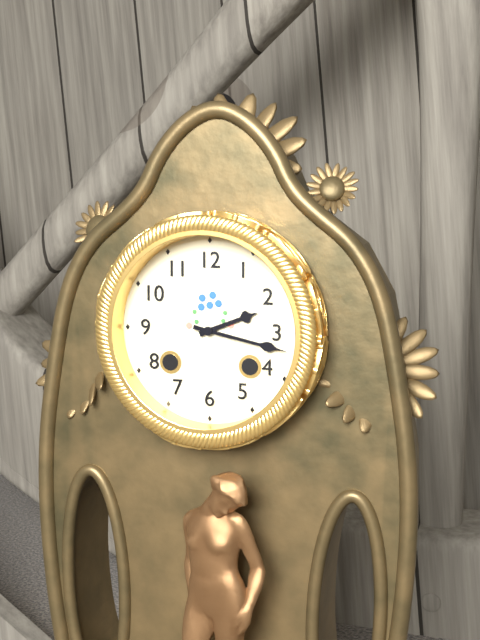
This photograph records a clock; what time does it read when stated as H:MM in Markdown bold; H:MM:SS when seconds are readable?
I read **2:17**
